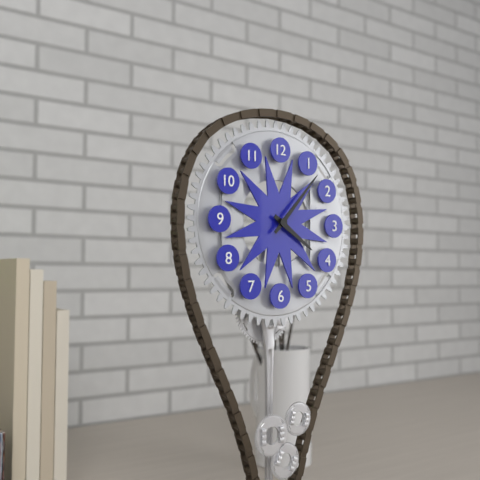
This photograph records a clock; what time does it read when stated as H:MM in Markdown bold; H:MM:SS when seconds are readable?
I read **4:07**
